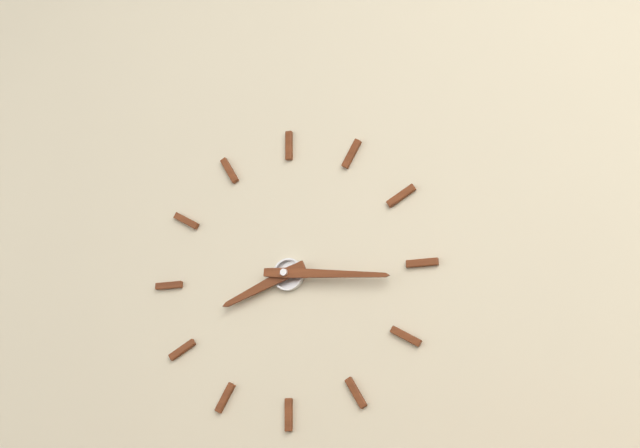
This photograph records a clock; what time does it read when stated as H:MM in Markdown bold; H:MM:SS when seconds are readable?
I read **8:16**
